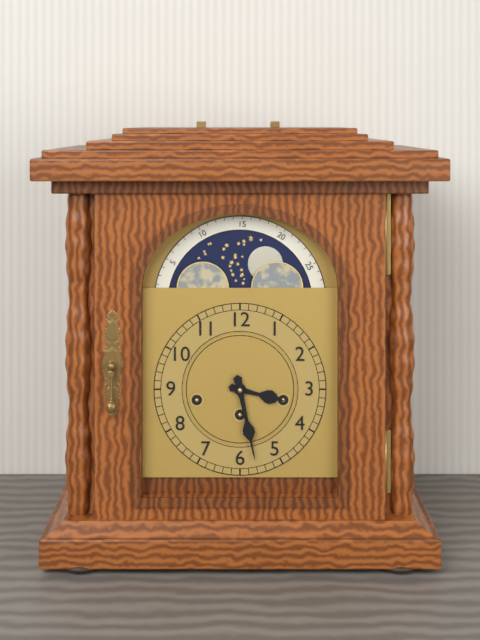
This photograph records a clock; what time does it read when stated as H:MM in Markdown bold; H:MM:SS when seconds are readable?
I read **3:28**
